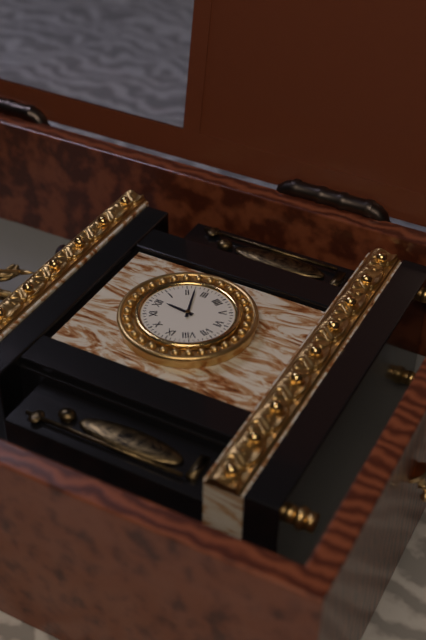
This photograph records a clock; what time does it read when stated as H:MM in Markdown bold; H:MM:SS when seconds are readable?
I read **12:12**
